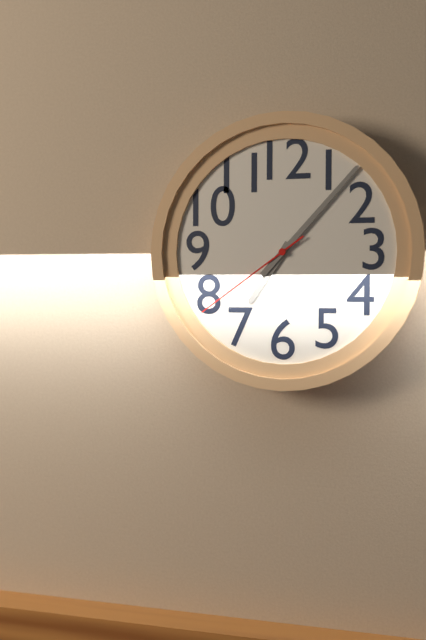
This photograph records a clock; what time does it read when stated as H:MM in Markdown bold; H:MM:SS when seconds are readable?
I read **7:07:39**
